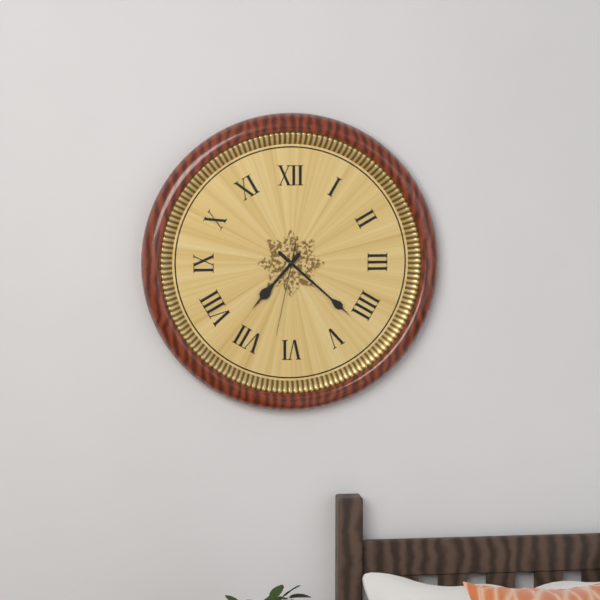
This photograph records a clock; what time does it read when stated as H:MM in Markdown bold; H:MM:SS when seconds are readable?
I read **7:22:32**
